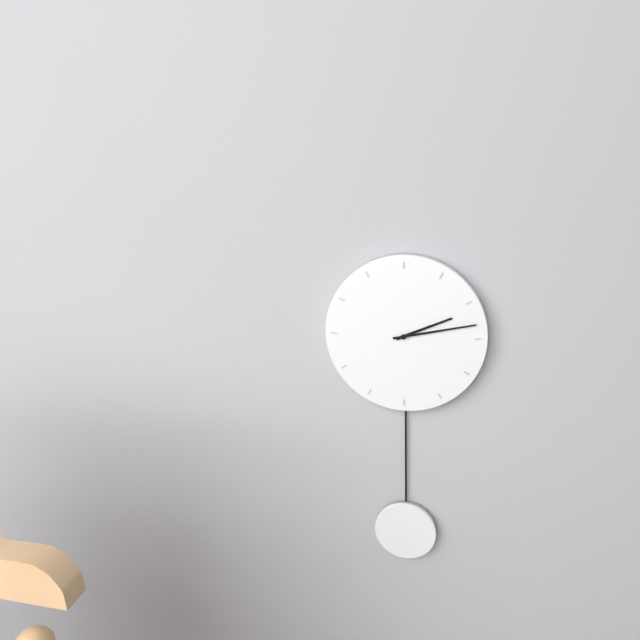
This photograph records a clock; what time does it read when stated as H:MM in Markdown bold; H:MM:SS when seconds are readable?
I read **2:13**
